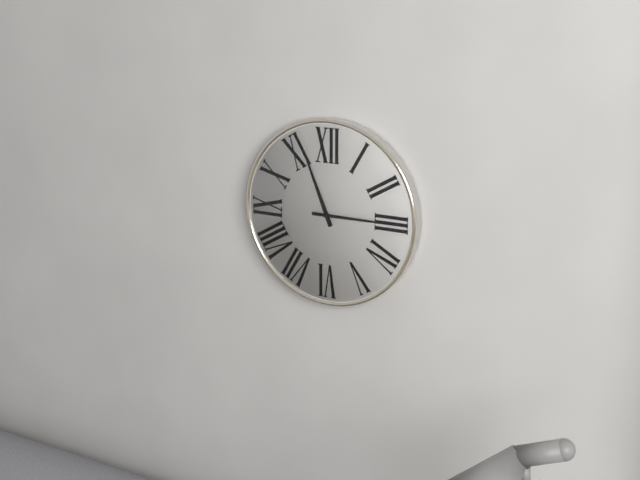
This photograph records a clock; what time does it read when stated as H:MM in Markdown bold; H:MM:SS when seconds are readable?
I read **11:15**
